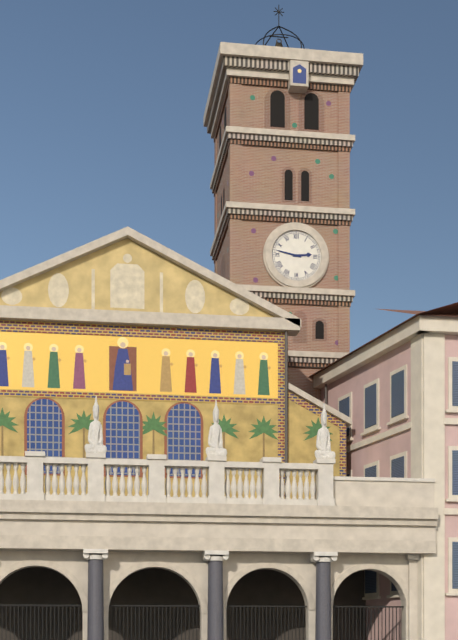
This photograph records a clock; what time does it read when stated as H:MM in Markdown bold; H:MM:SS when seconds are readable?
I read **2:47**
